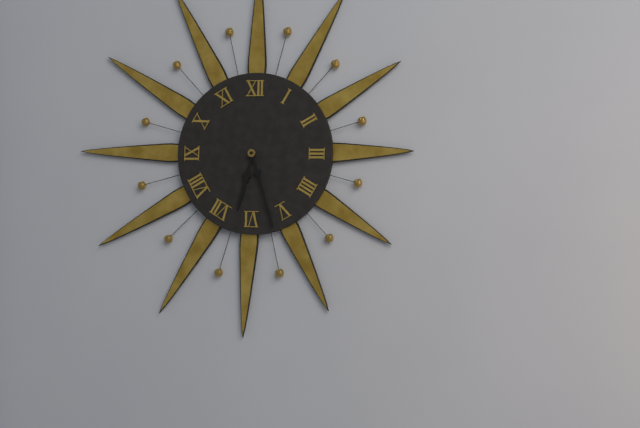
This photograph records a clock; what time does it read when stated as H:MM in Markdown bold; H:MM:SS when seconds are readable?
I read **6:27**
